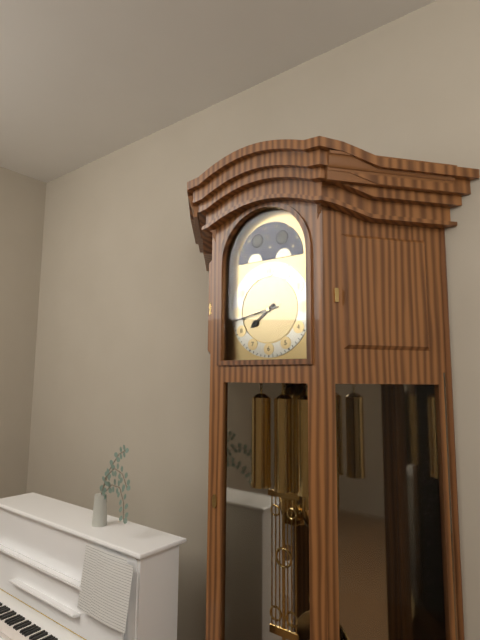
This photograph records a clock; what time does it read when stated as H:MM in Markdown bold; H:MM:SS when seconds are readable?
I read **7:43**
